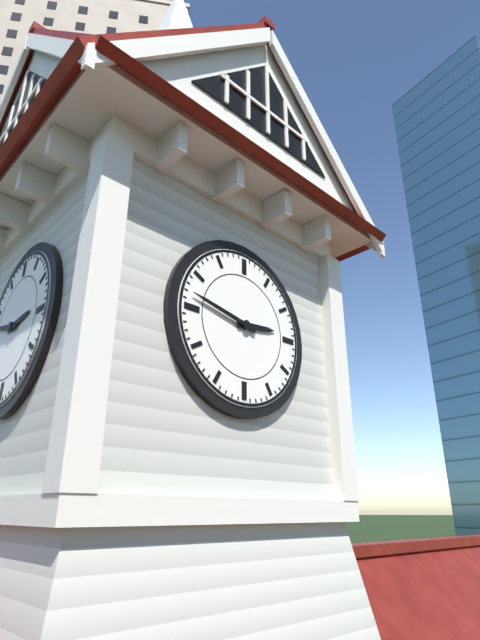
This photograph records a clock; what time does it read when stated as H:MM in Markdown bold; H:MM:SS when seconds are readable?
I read **2:47**
